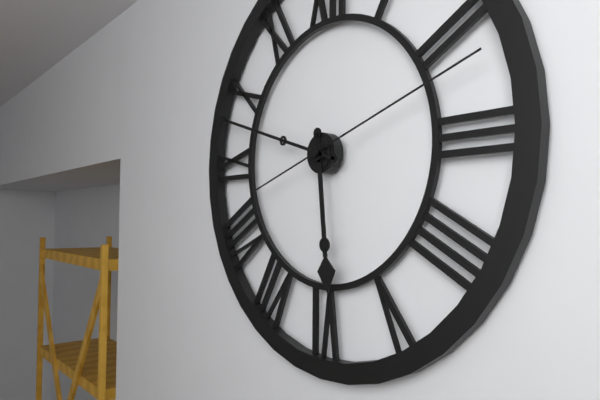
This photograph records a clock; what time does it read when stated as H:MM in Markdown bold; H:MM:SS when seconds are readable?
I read **5:48:12**
